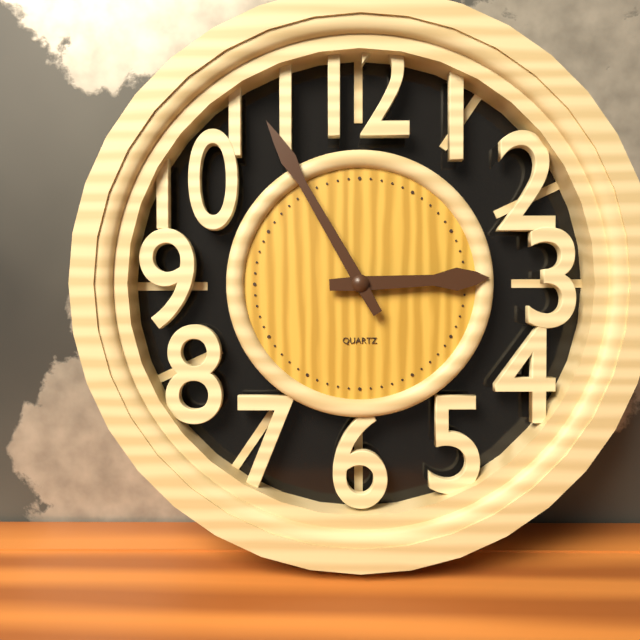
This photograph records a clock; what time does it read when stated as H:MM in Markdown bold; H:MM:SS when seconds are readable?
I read **2:55**
